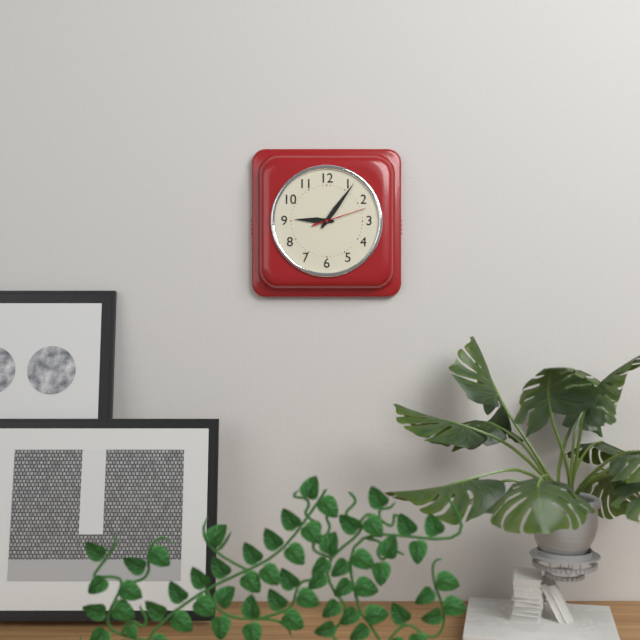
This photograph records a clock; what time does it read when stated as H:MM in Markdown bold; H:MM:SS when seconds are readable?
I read **9:06:12**
